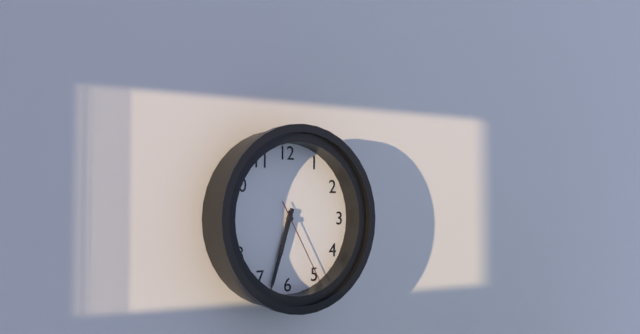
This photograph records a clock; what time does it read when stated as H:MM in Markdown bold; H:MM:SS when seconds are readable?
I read **6:33:25**
